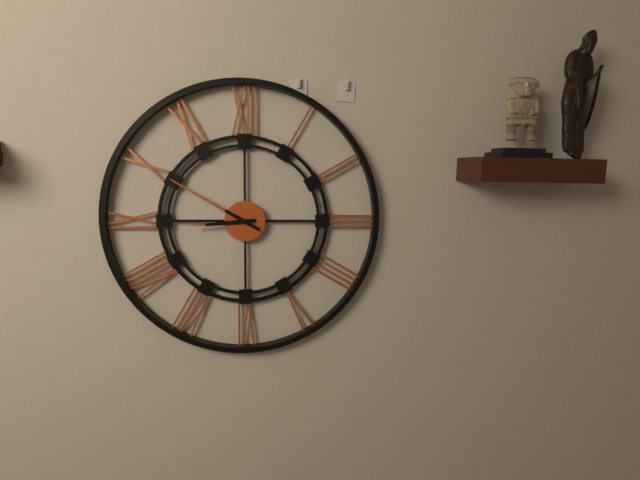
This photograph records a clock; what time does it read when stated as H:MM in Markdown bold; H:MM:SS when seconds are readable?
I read **8:50**
